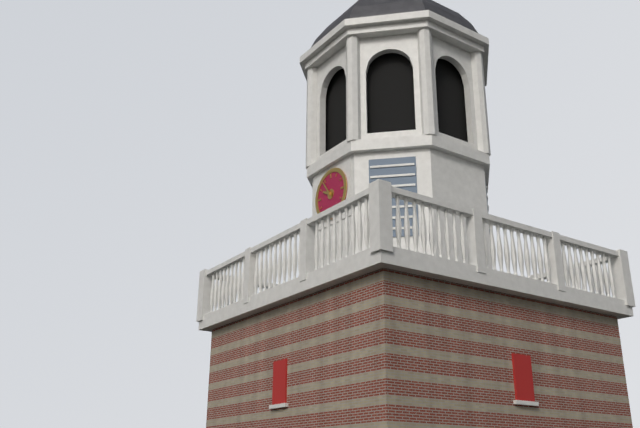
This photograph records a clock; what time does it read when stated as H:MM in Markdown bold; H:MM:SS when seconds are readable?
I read **9:54**
